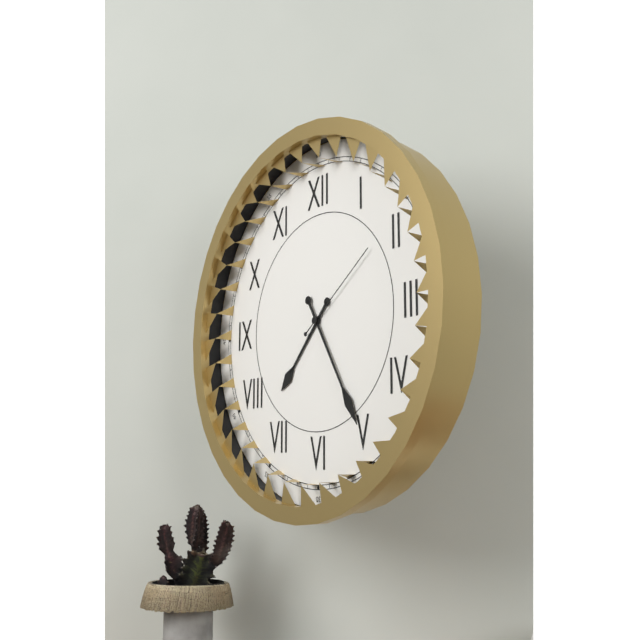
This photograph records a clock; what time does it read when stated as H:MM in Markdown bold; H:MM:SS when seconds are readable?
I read **7:25:09**
